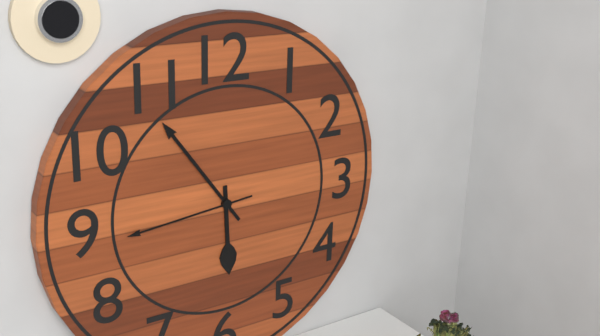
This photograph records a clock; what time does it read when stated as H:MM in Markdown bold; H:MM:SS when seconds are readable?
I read **5:54:44**
